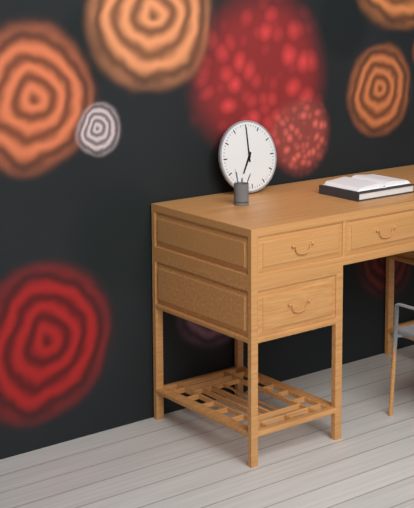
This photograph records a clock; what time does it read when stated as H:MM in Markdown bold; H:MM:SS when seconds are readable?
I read **7:00**
